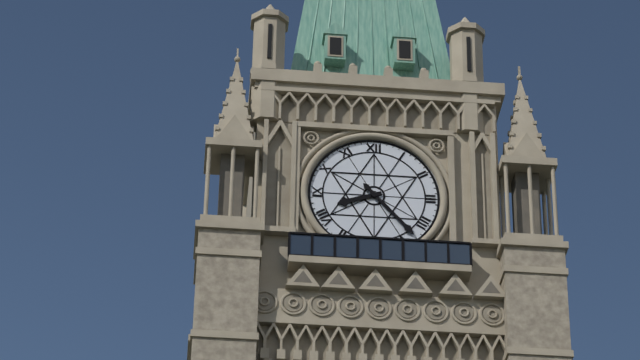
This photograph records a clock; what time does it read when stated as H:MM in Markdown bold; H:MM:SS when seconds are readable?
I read **8:23**
